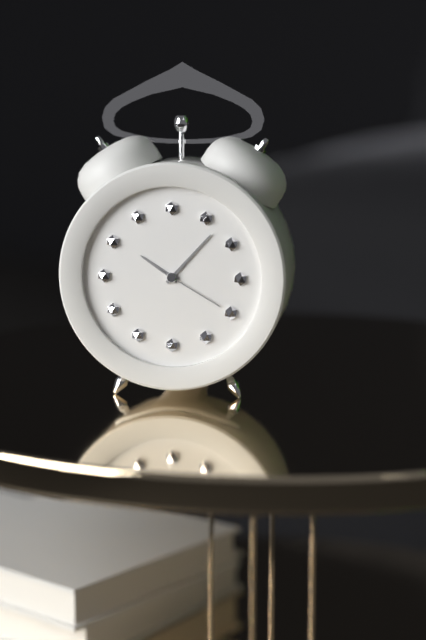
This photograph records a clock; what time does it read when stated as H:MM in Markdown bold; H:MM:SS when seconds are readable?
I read **10:07:20**
